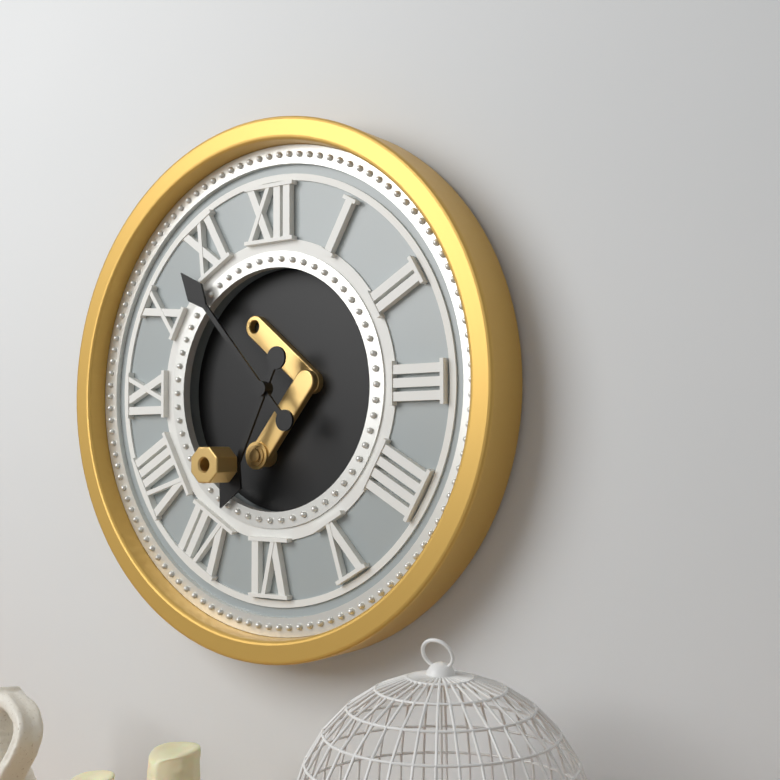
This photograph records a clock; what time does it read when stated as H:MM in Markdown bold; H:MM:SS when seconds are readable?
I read **6:53**
